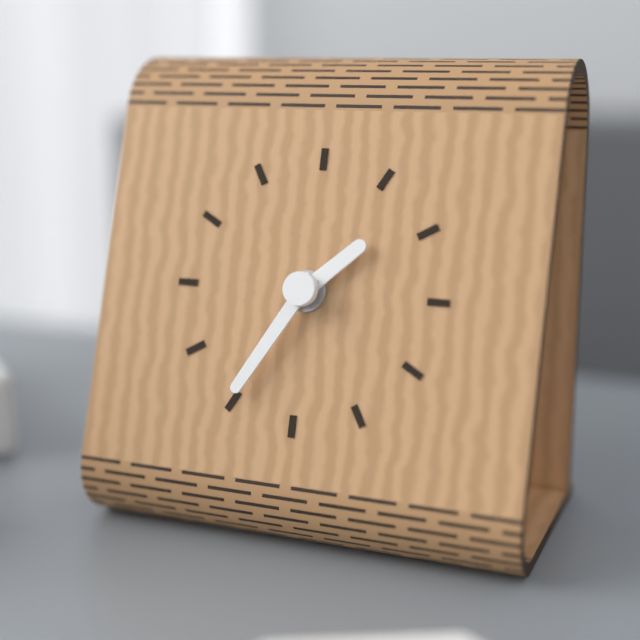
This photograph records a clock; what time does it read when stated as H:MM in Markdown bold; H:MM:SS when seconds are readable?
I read **1:35**
